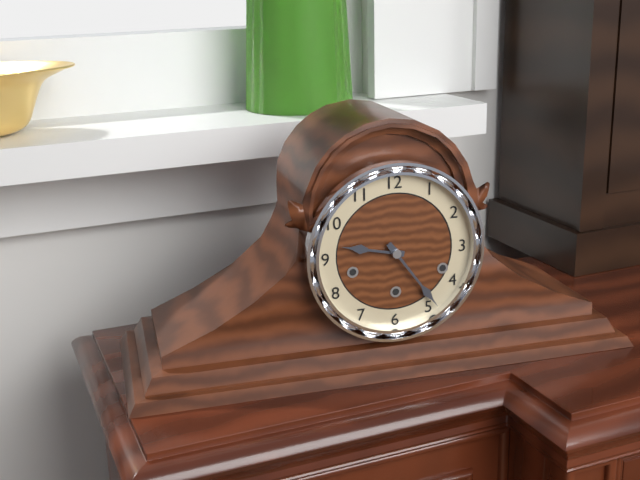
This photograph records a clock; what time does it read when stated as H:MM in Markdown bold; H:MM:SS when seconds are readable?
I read **9:24**
